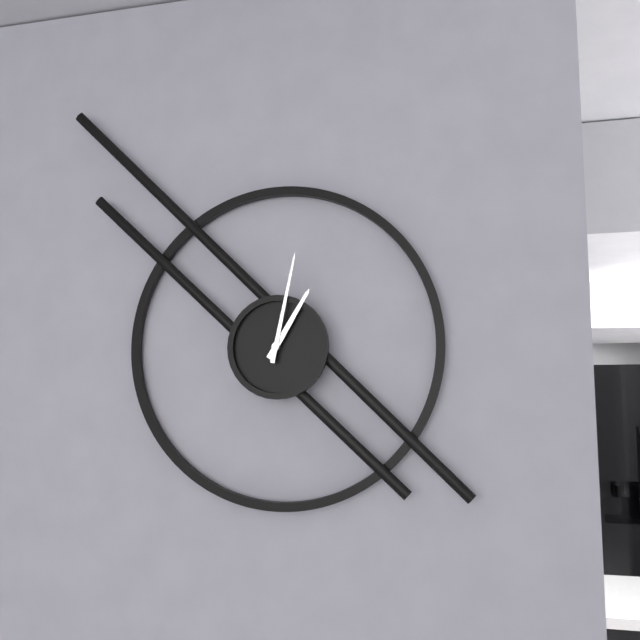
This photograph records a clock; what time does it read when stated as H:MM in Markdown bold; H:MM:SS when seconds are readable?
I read **1:02**
